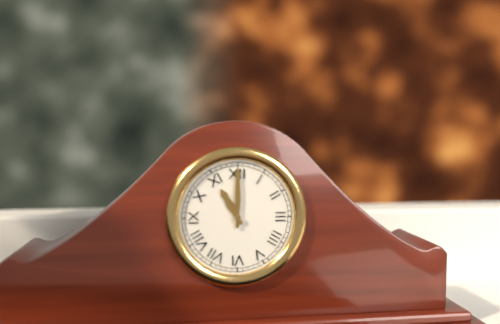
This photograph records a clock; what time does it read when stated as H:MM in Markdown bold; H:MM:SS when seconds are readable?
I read **11:00**
